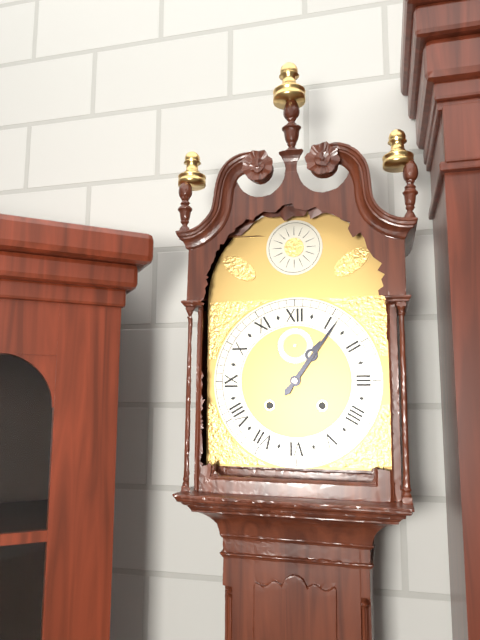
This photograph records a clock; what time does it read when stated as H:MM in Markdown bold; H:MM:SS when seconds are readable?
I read **1:06**
